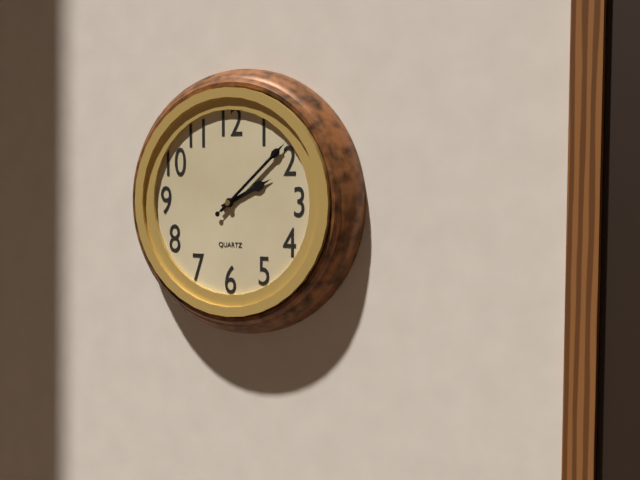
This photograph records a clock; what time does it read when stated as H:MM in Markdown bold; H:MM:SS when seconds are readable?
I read **2:08:08**
